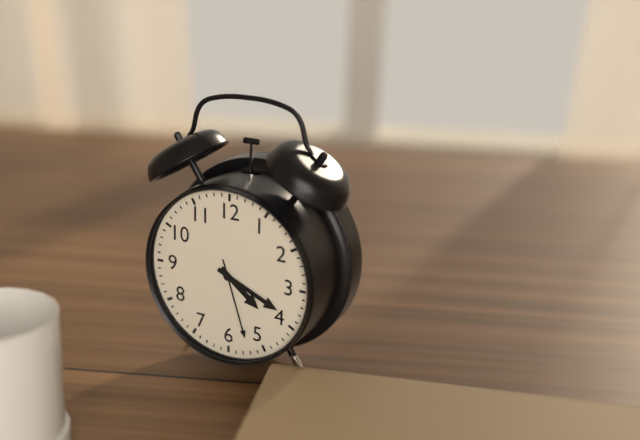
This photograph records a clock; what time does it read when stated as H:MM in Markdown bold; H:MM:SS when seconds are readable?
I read **4:19:27**
